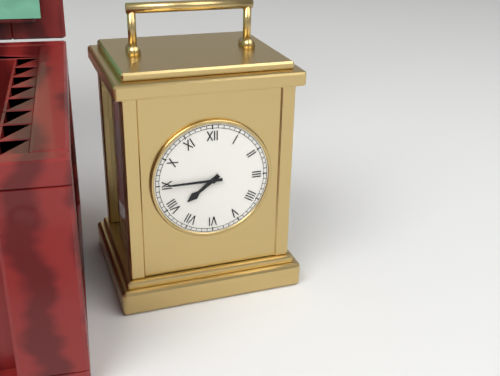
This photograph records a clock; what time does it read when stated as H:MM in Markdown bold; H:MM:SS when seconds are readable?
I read **7:45**
